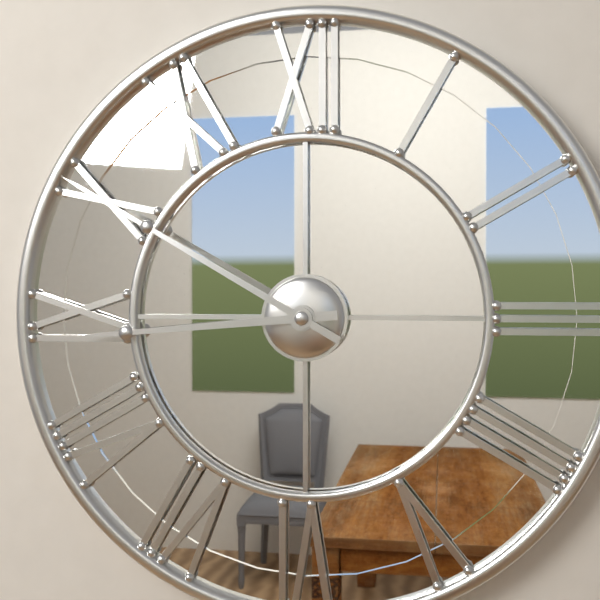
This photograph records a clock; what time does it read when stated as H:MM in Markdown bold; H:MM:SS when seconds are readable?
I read **8:50**
